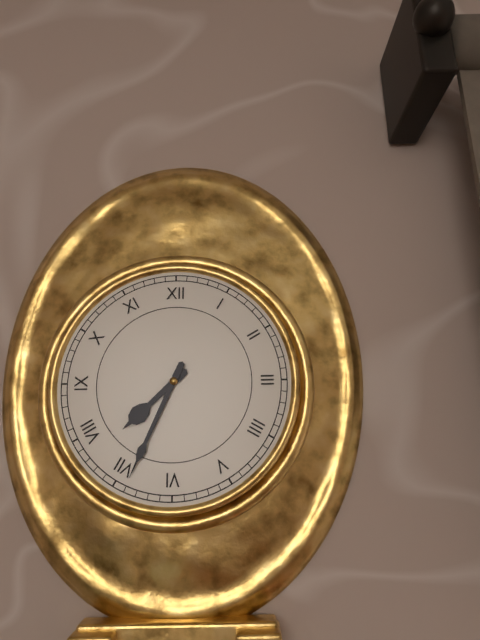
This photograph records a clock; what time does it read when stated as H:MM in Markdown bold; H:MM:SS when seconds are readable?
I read **7:34**
